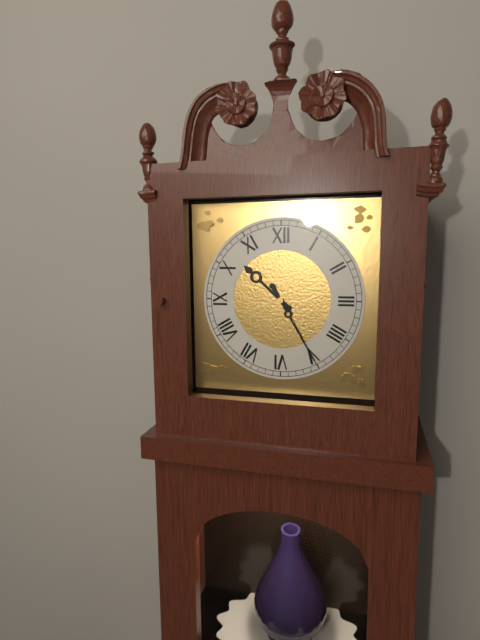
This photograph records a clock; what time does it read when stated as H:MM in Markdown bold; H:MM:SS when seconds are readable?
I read **10:25**
